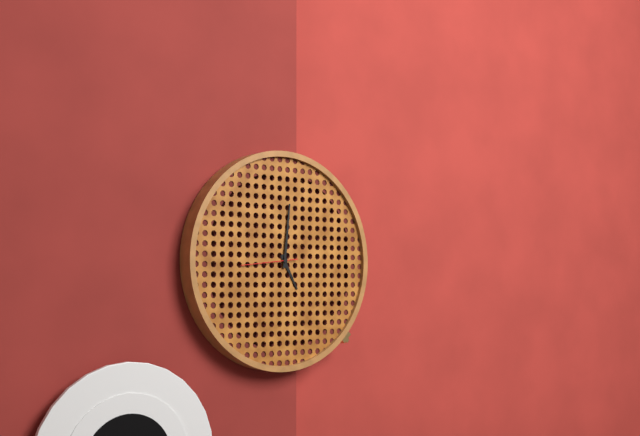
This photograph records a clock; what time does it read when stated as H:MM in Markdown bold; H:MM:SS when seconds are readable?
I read **5:01**
